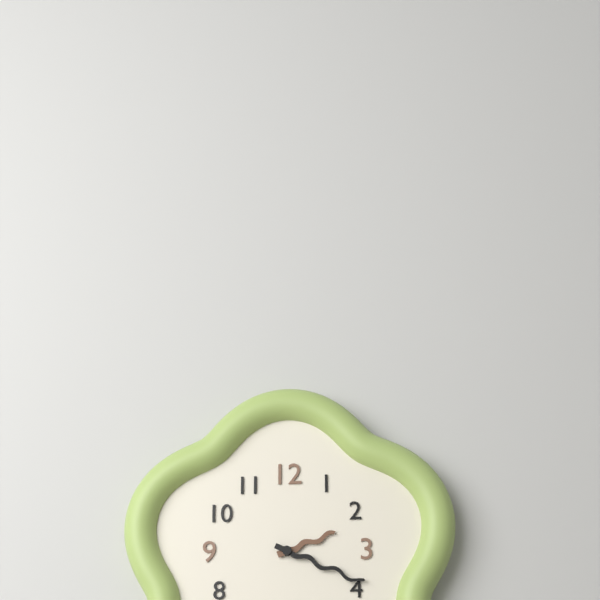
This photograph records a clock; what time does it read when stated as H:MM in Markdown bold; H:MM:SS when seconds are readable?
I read **2:19**
